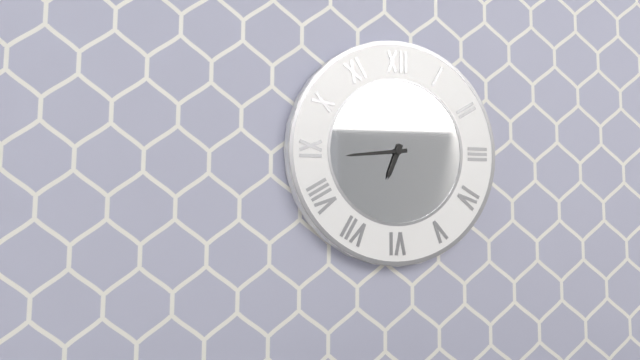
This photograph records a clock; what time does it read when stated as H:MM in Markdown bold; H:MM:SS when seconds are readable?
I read **6:44**
